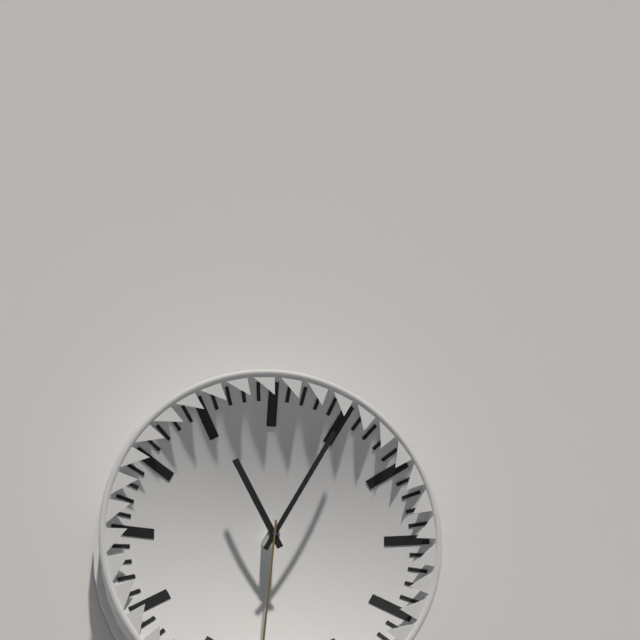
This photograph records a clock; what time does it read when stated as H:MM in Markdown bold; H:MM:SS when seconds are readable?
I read **11:05**
